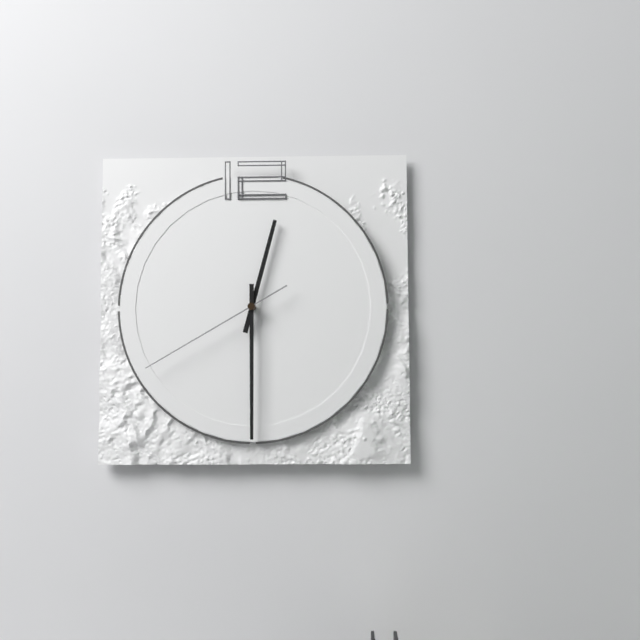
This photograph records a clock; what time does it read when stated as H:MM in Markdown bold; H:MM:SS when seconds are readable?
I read **12:30:40**
